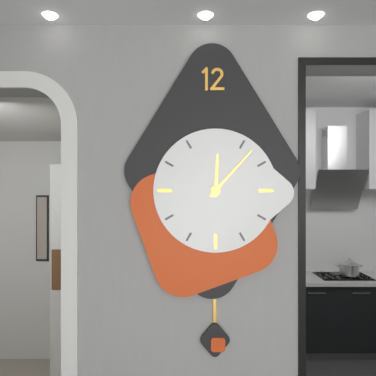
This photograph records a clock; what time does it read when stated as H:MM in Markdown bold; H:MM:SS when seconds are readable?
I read **12:07**
